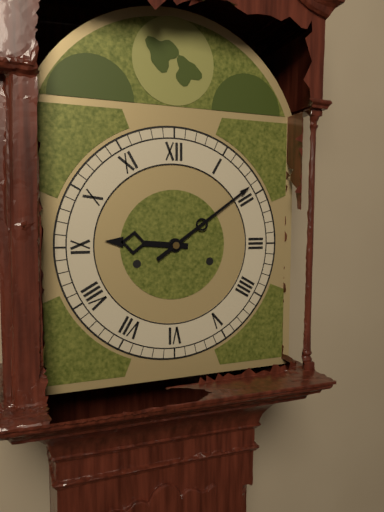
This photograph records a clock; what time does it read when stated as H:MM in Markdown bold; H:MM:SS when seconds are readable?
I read **9:09**
